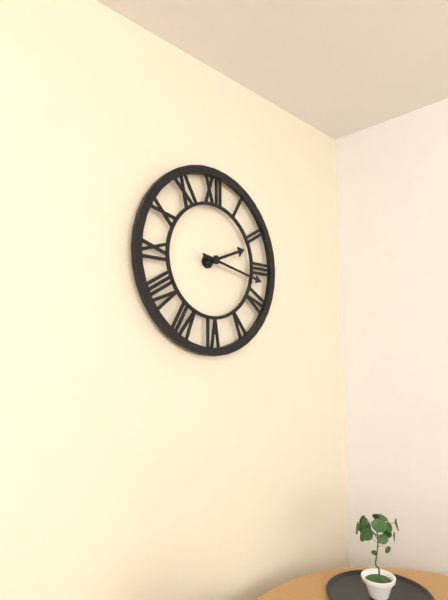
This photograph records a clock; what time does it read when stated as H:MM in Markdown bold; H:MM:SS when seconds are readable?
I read **2:17**
